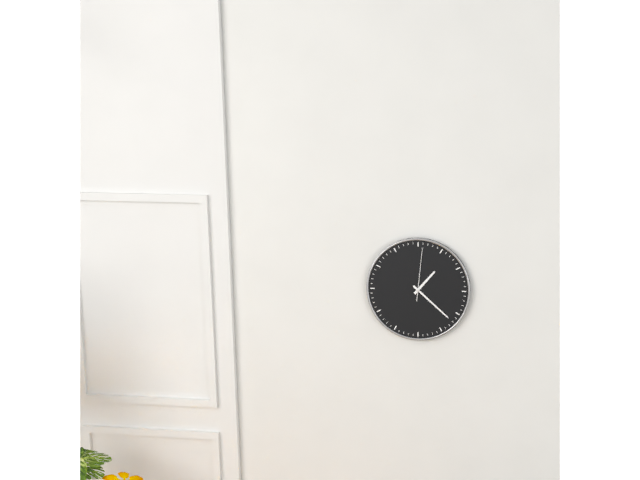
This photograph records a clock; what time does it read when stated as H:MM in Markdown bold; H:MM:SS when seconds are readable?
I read **1:22:01**
